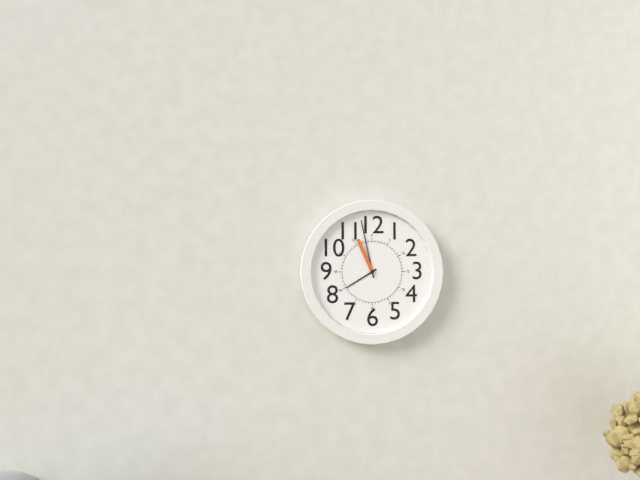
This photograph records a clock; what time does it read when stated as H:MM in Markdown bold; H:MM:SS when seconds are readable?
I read **7:58**
